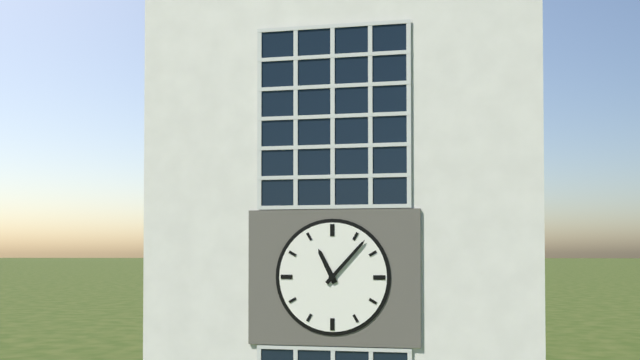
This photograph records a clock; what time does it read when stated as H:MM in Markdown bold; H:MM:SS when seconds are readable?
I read **11:07**
